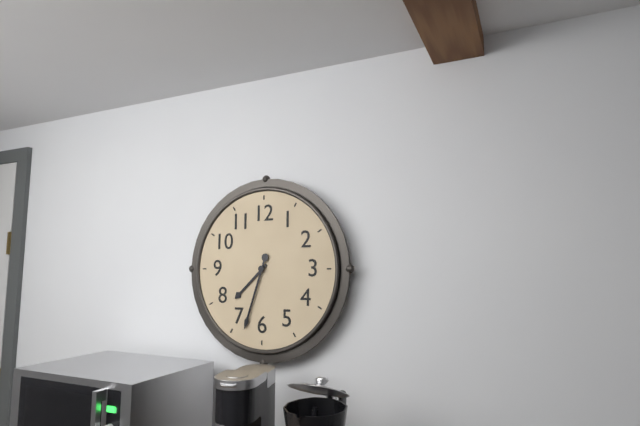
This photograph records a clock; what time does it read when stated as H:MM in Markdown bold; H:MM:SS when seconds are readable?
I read **7:33**
